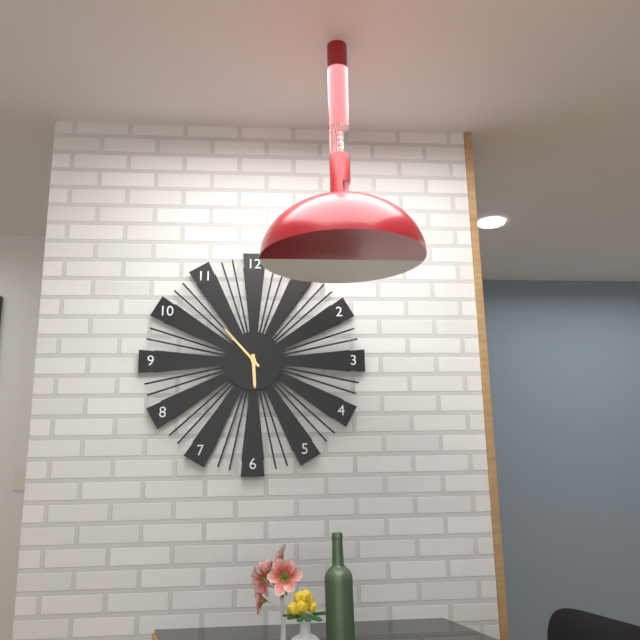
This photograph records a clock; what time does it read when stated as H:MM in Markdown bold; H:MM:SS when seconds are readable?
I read **5:53**
